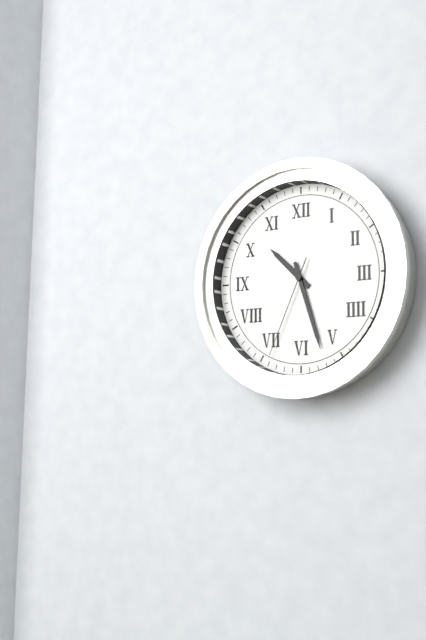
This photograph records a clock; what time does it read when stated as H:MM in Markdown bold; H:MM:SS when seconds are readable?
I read **10:27:34**
